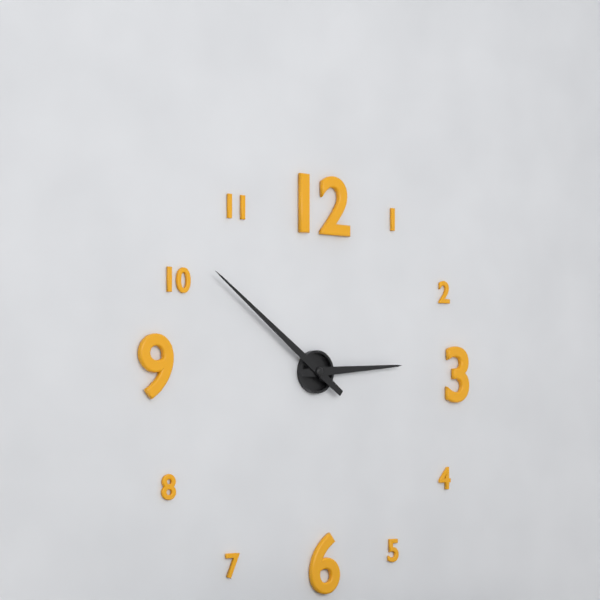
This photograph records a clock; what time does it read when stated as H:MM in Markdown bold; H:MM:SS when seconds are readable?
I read **2:51**
